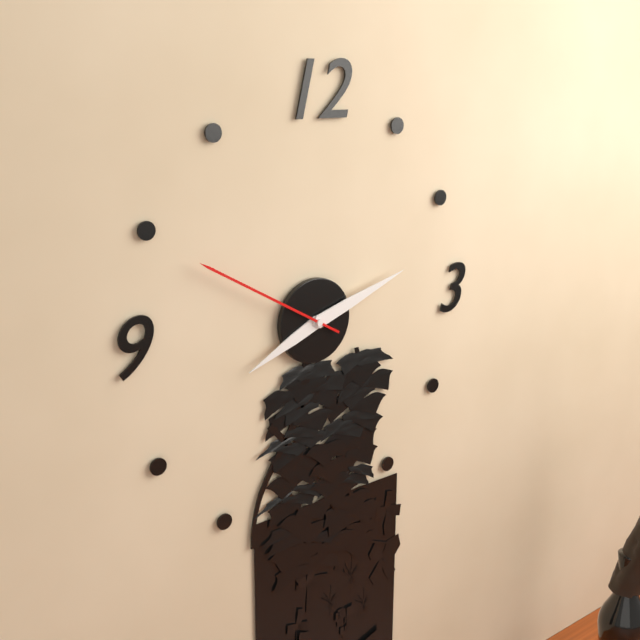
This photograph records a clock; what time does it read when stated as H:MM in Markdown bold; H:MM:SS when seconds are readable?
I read **8:12:50**
